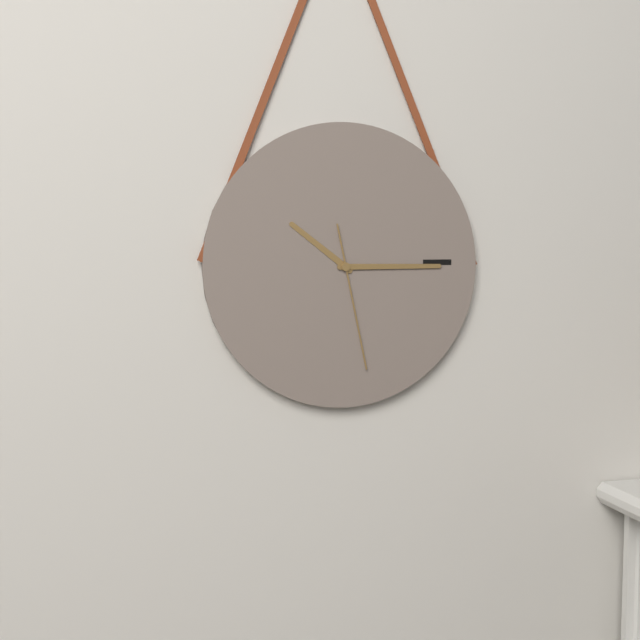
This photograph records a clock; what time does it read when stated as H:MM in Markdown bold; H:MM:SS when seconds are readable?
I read **10:15:28**
